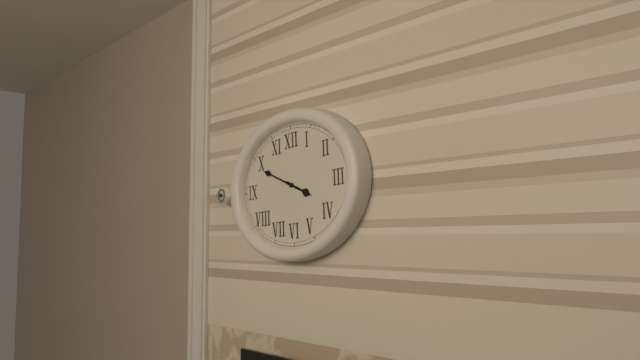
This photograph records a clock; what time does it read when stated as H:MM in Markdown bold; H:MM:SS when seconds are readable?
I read **3:49**
